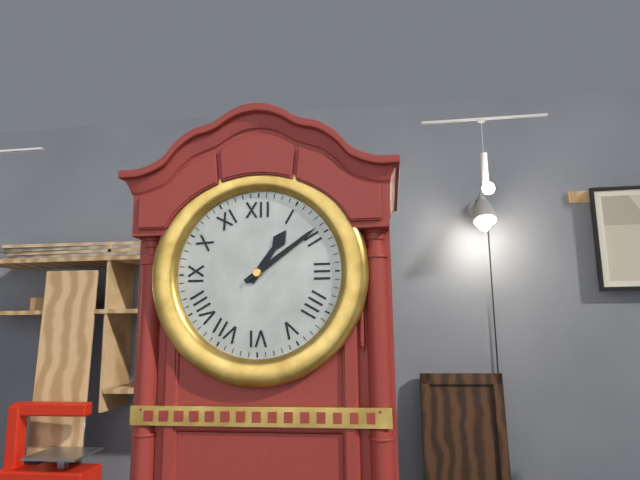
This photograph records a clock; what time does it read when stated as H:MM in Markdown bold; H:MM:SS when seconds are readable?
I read **1:09**
